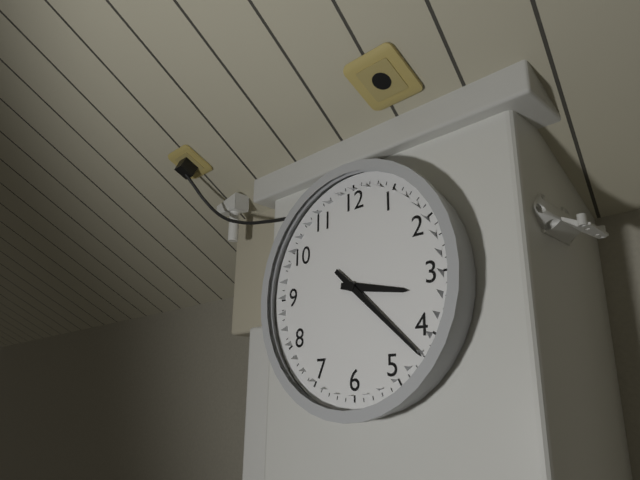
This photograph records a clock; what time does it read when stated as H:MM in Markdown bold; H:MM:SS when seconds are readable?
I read **3:22**
